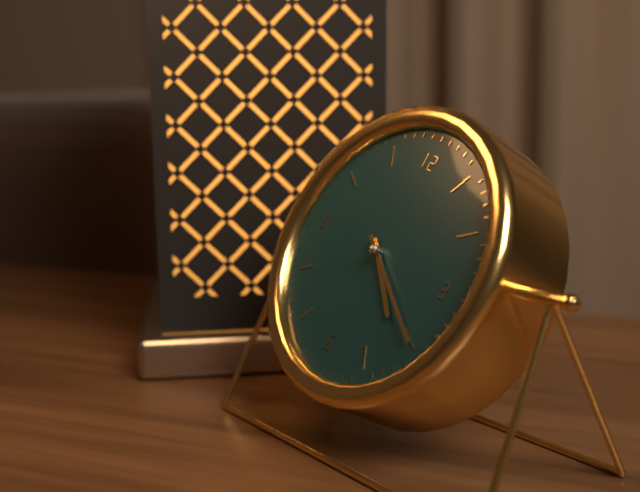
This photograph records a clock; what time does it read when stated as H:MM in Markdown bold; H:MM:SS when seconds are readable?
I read **4:20**
